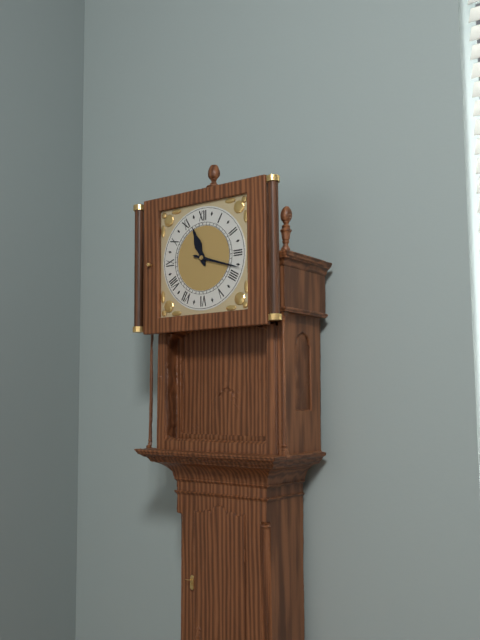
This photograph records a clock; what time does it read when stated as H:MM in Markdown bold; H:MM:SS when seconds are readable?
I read **11:18**
